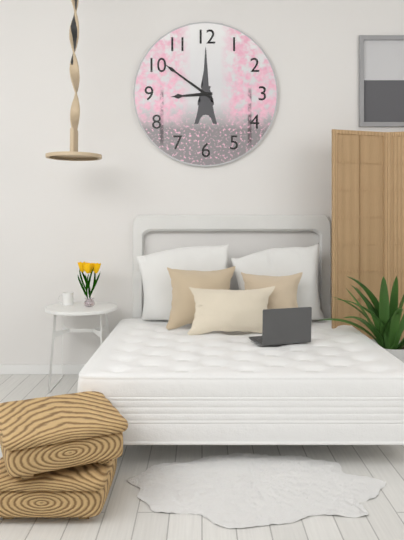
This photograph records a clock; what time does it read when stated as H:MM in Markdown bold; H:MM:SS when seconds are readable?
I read **8:51**
